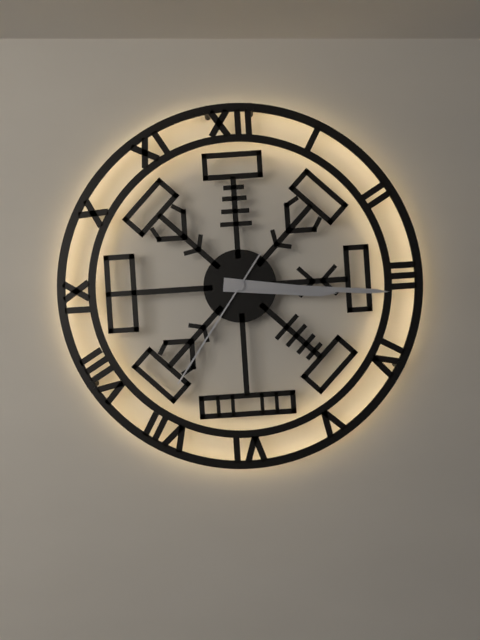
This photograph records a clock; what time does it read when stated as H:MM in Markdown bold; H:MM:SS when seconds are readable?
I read **3:16:36**
